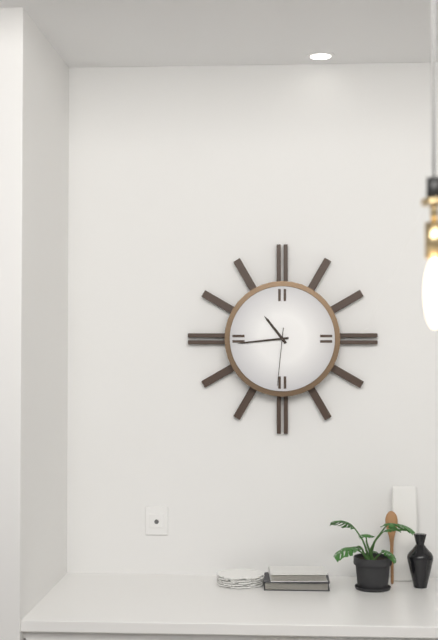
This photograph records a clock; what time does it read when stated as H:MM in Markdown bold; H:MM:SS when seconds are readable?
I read **10:44:31**
